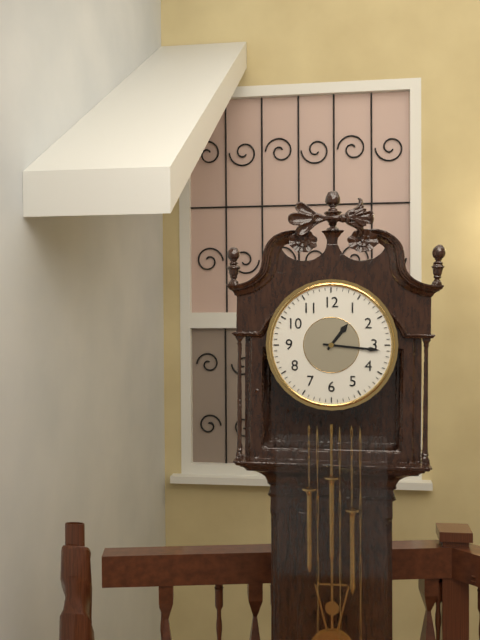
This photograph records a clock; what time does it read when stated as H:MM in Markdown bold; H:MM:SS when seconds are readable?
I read **1:16**
